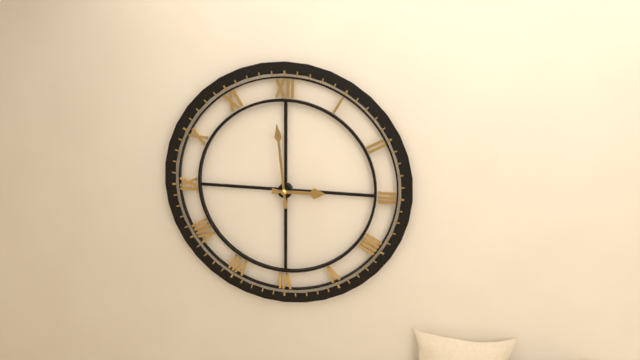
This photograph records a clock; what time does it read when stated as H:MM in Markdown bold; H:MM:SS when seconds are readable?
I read **2:59**
